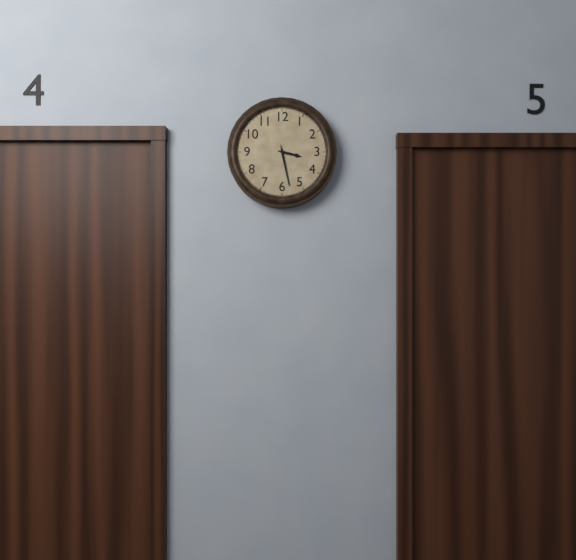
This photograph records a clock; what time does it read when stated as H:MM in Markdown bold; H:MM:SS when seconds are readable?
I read **3:28**
